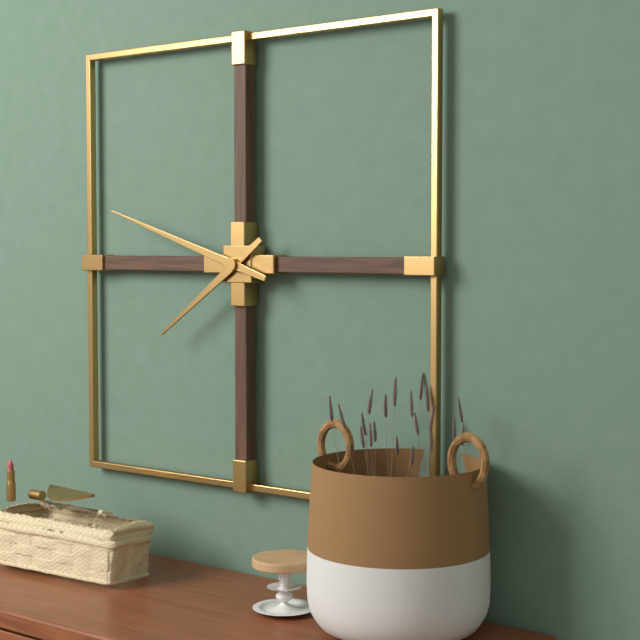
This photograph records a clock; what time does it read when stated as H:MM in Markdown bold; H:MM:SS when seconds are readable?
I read **7:48**
